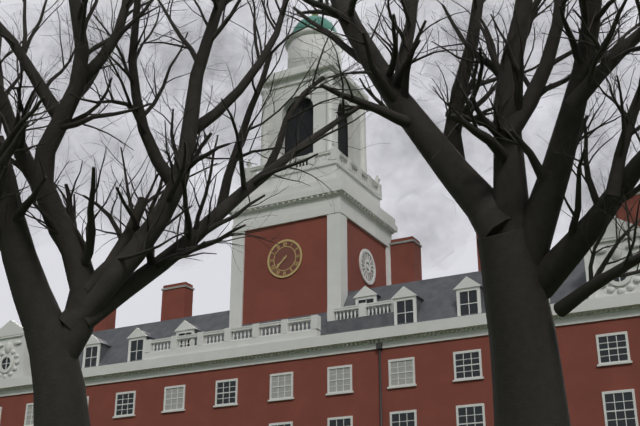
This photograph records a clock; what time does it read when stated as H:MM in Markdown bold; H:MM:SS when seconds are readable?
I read **7:37**
